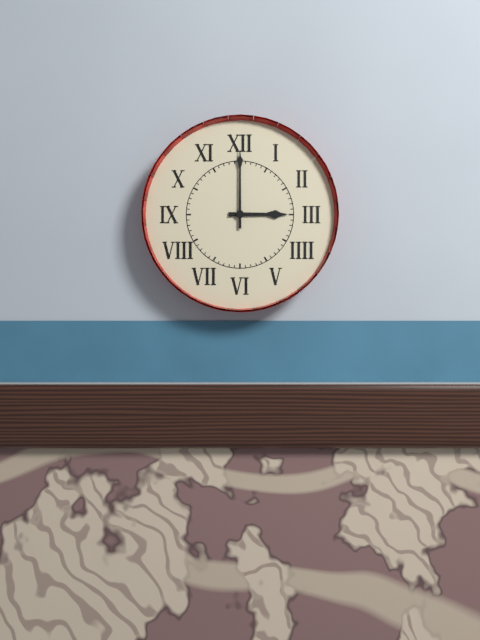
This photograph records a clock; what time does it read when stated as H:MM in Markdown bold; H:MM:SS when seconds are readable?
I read **3:00**
